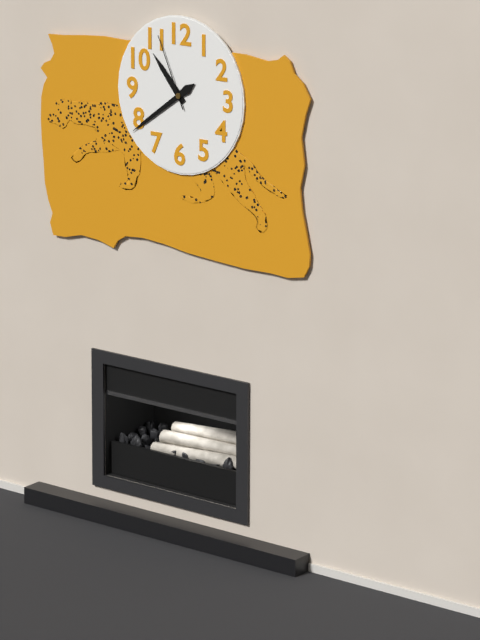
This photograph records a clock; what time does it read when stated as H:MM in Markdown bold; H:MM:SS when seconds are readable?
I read **10:39:56**
